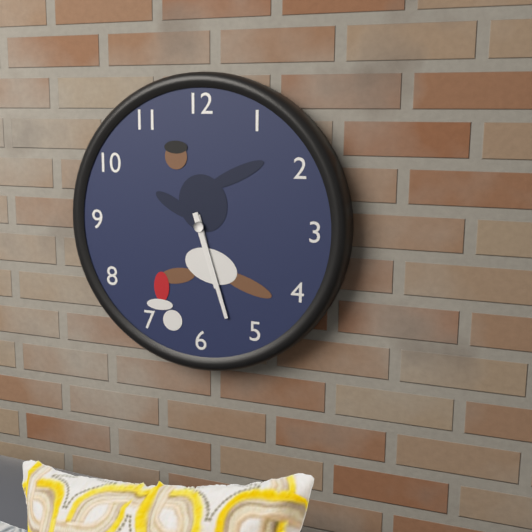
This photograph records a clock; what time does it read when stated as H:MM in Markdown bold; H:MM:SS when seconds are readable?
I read **5:27**
